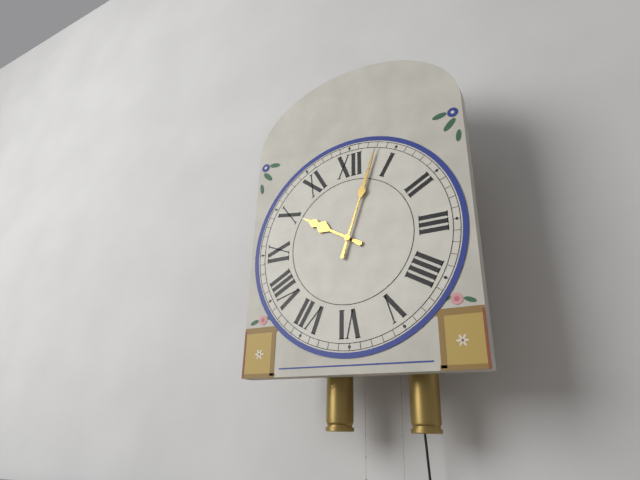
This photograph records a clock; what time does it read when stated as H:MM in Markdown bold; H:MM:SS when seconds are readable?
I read **10:03**
